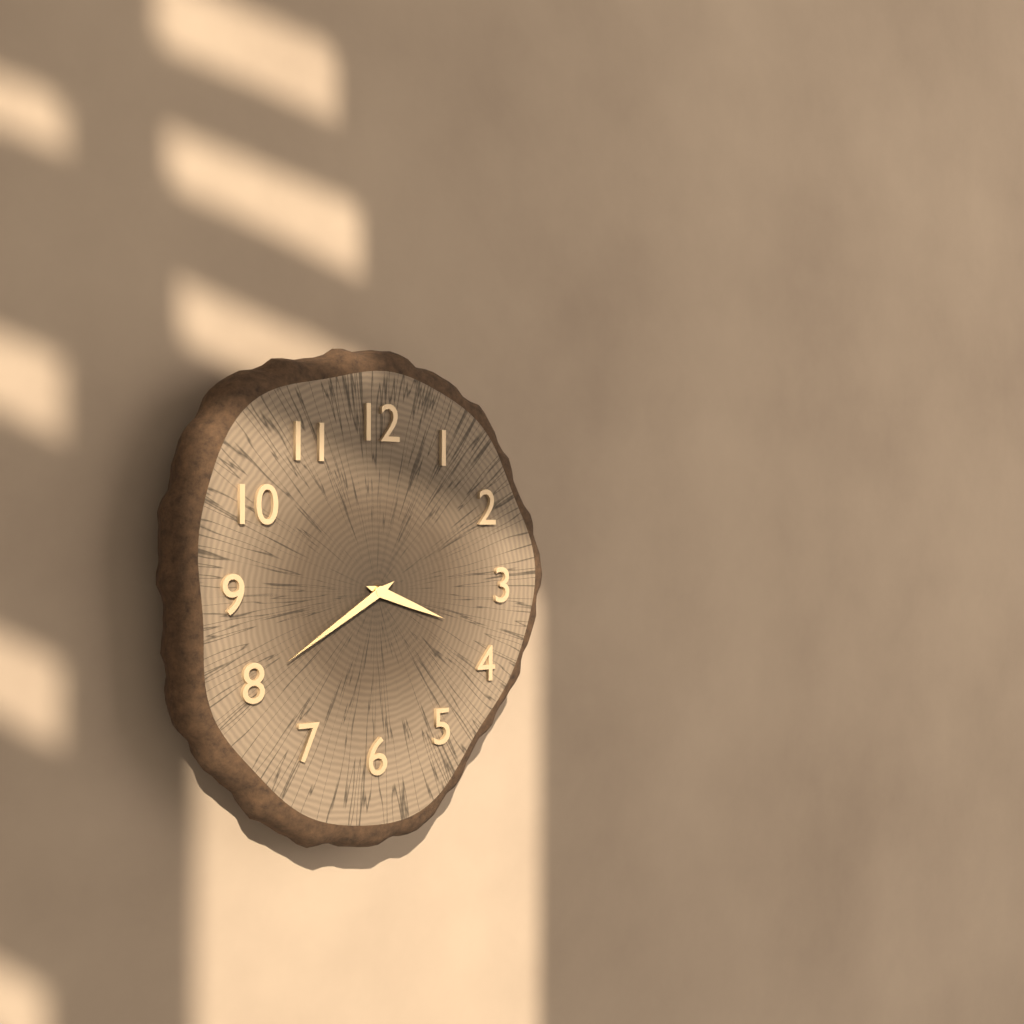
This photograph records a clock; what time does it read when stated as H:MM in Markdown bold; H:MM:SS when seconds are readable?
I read **3:40**
